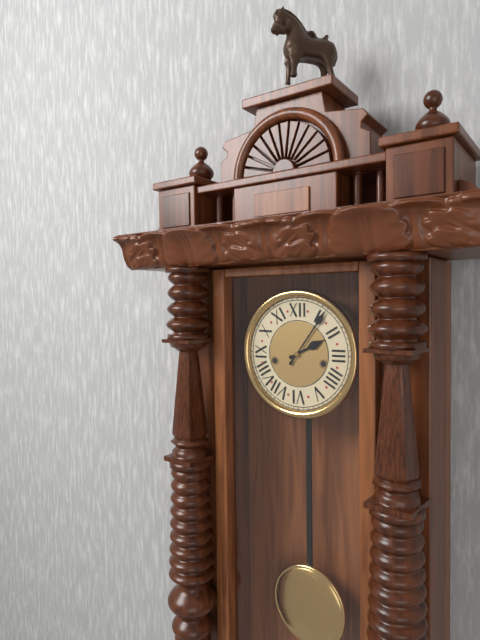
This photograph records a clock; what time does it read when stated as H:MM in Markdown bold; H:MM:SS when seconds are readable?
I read **2:06**
